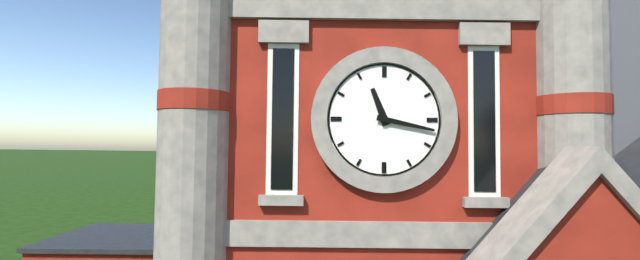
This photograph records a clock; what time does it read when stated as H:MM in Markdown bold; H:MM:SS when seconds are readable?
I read **11:17**
